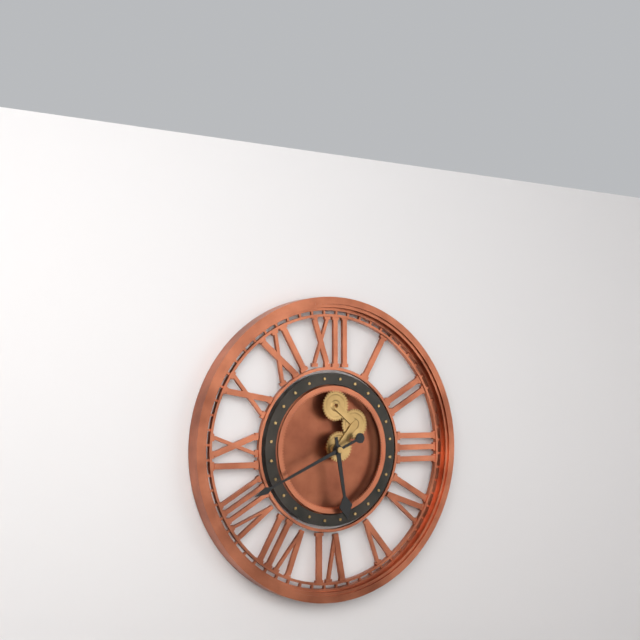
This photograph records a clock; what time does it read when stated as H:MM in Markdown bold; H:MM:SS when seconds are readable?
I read **5:41**
